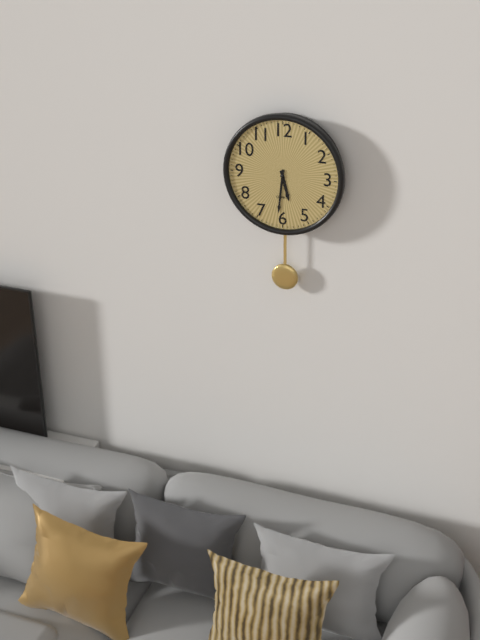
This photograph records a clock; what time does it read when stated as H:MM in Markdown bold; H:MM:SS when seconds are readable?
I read **5:31**
